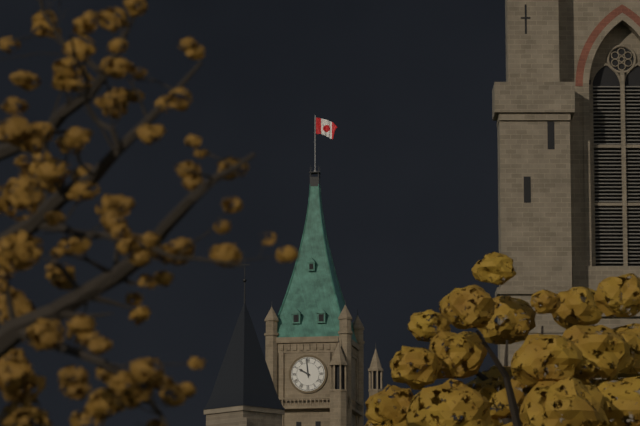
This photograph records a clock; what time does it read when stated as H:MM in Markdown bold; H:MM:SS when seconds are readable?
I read **9:59**
